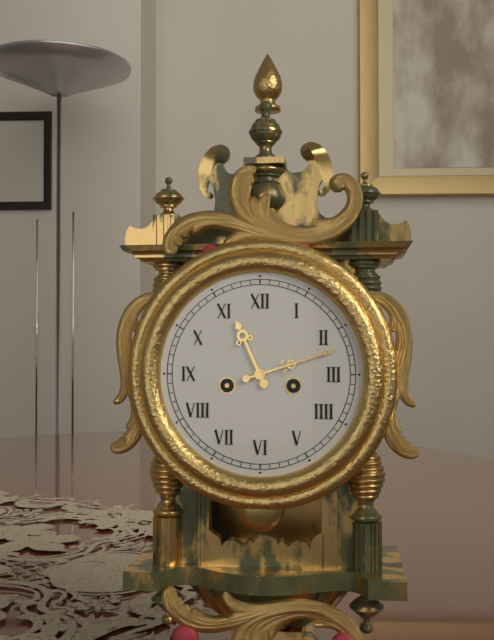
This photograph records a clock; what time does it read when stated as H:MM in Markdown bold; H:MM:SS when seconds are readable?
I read **11:12**
